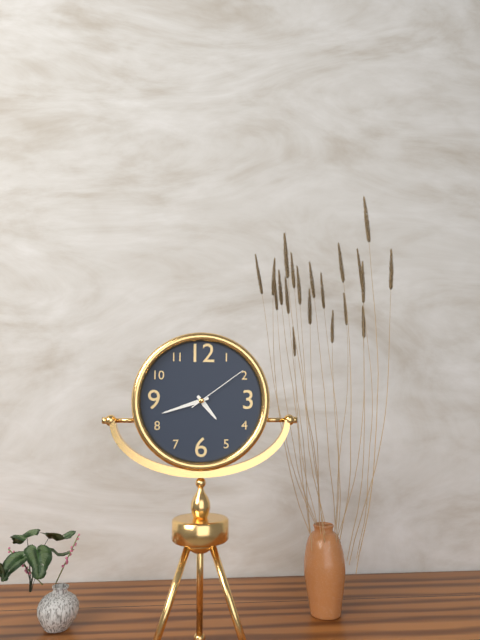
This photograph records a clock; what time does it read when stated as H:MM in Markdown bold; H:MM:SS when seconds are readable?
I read **4:42:09**
